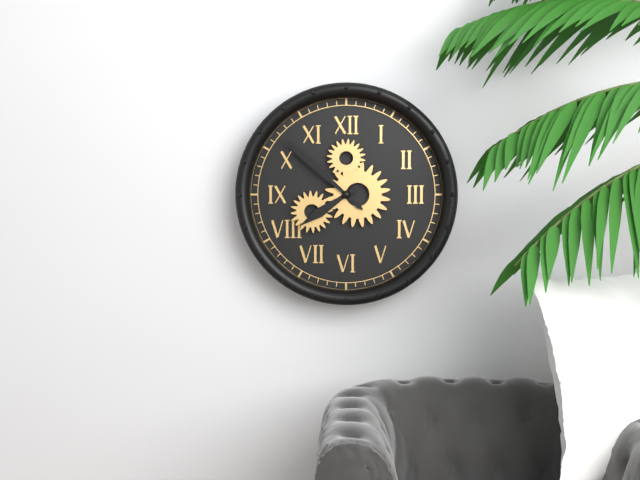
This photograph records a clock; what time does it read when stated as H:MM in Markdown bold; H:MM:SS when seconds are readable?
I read **7:52**
